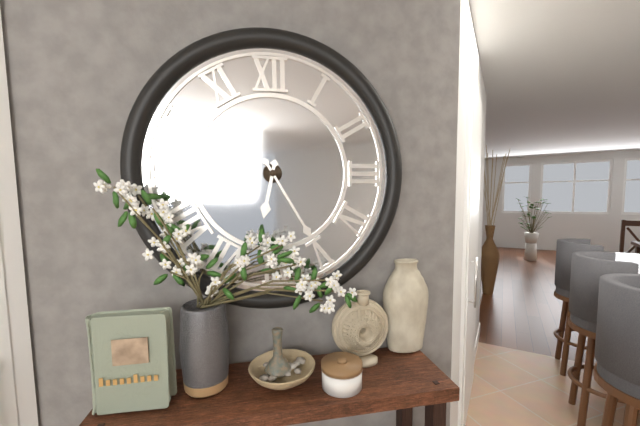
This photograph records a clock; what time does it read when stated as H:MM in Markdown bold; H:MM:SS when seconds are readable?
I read **6:25**
